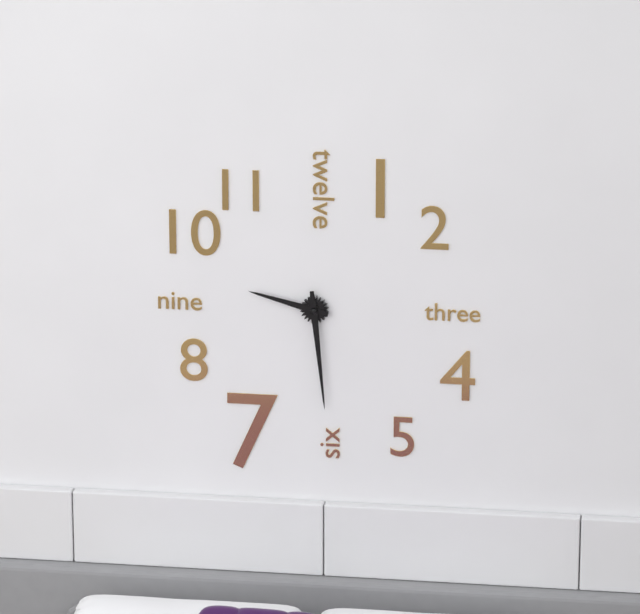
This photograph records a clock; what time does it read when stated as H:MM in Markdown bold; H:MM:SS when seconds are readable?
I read **9:29**
